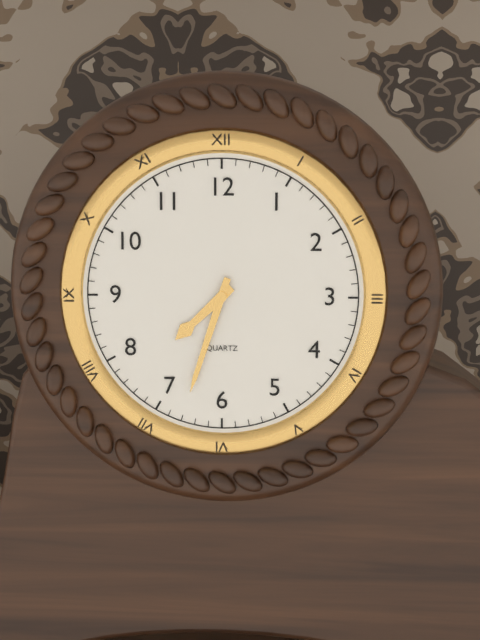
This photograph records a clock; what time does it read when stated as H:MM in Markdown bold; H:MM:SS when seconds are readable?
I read **7:33**
